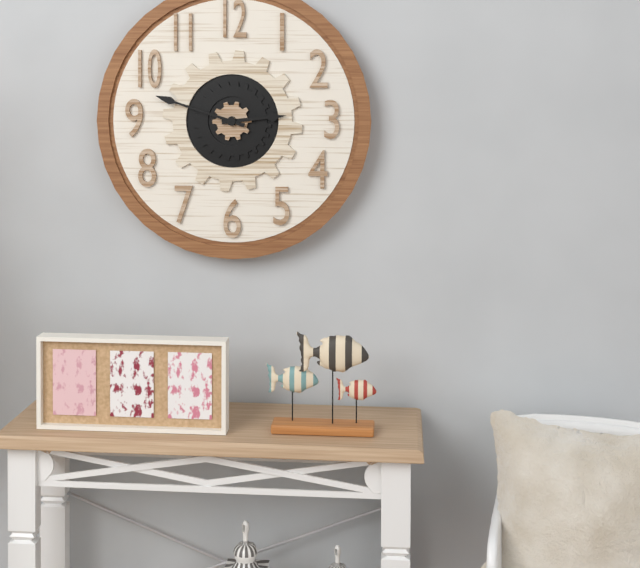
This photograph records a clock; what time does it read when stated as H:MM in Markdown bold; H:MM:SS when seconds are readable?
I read **2:48**
